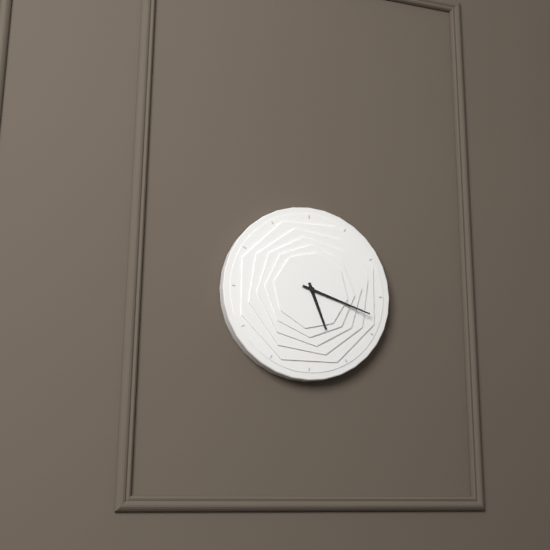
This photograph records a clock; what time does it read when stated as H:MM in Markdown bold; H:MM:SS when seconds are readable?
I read **5:18**
